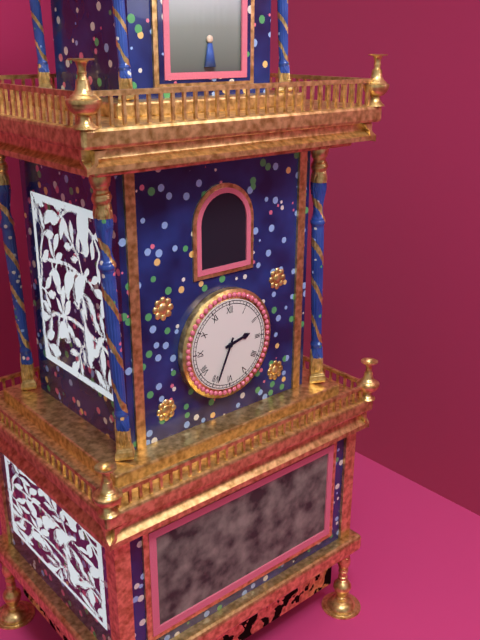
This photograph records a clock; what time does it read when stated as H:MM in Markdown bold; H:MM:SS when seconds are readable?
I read **2:34**
